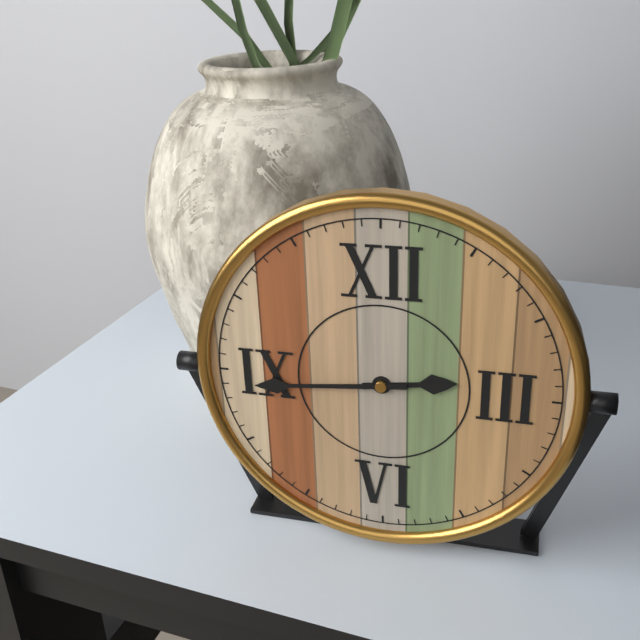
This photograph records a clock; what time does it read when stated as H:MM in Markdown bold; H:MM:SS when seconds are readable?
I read **2:44**
